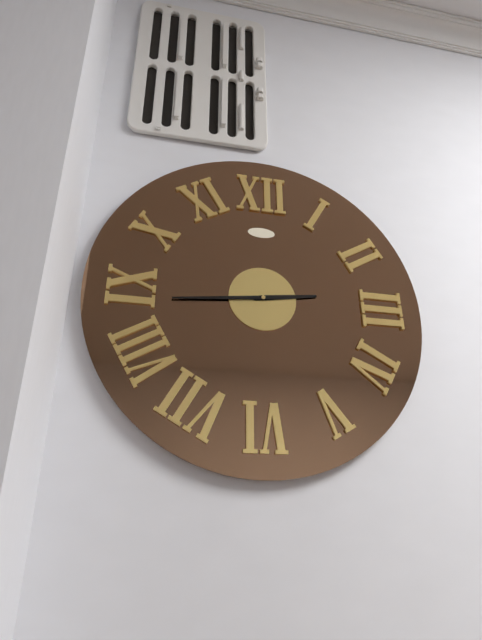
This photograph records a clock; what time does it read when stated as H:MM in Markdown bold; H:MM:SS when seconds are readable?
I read **2:44**
